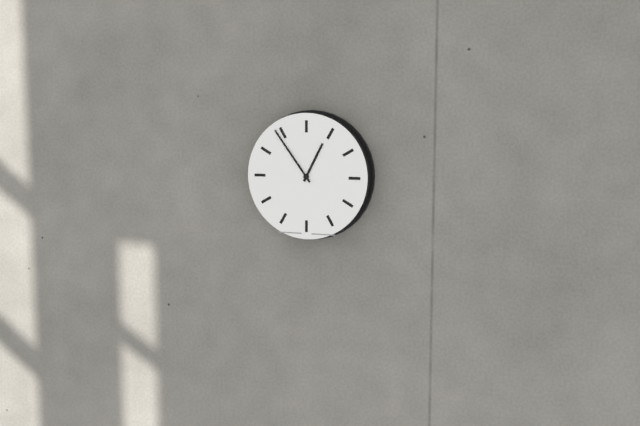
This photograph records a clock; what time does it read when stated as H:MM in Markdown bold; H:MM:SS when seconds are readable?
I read **12:54**
